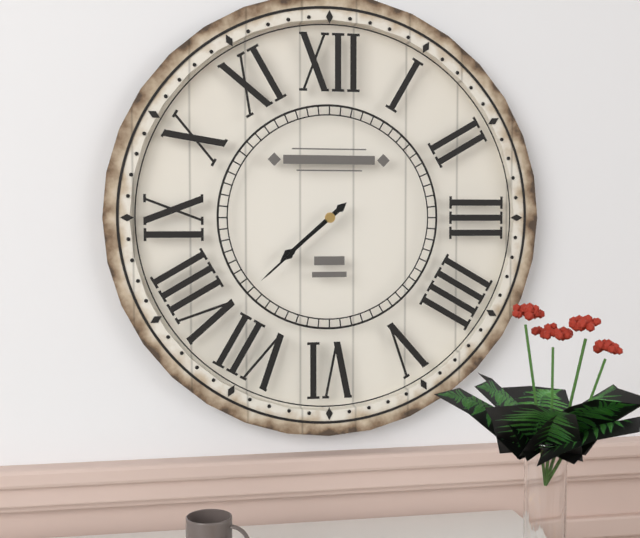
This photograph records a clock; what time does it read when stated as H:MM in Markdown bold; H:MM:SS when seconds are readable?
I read **7:38**
